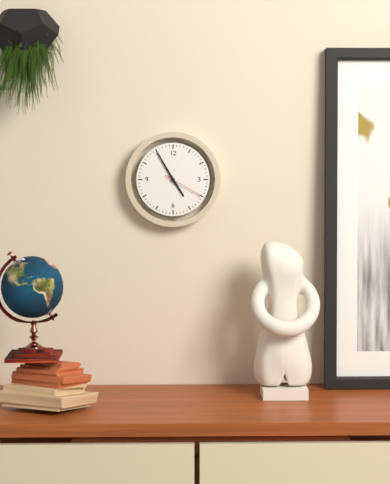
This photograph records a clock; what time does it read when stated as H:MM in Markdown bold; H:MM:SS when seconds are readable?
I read **4:55**
